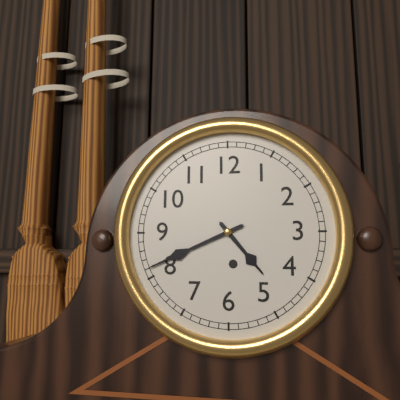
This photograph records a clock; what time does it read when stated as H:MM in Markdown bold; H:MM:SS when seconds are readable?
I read **4:41**
